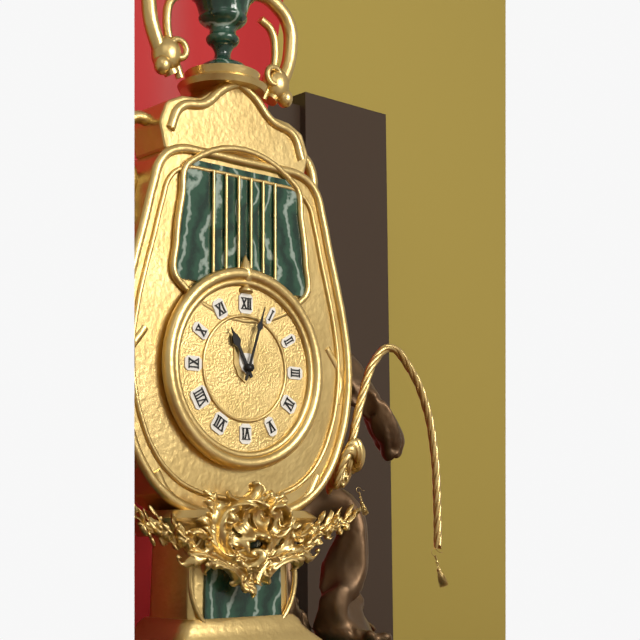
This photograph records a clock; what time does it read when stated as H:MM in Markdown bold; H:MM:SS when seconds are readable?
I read **11:03**
